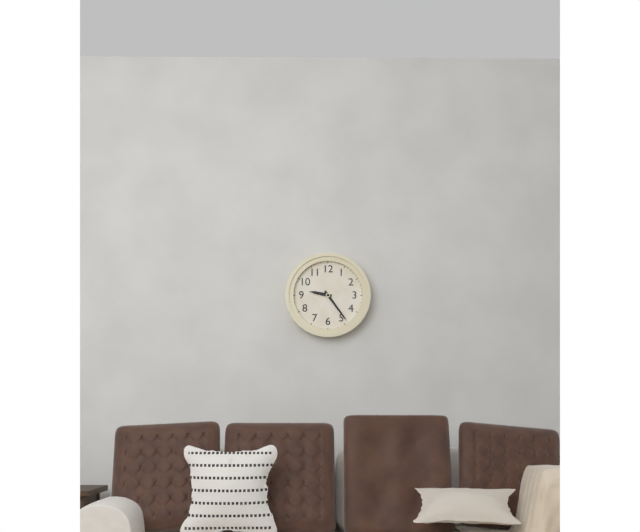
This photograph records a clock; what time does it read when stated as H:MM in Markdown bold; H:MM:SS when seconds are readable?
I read **9:24**
